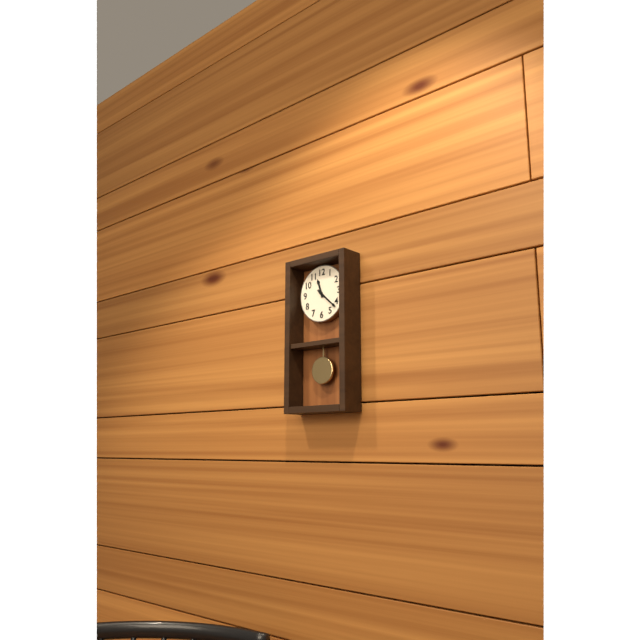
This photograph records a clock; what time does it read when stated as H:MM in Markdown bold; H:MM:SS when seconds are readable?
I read **11:22**
